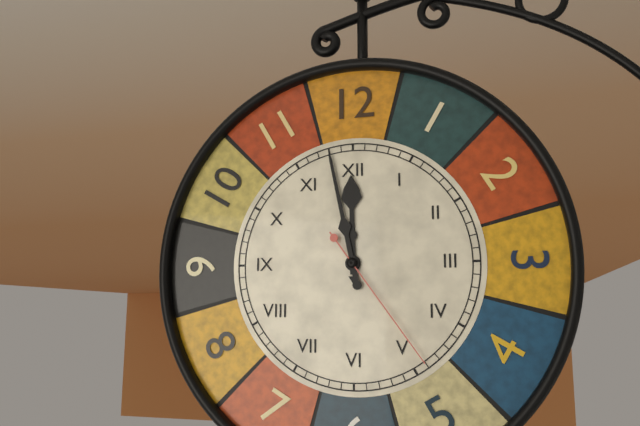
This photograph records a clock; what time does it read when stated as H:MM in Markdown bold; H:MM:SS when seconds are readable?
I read **11:58:24**
